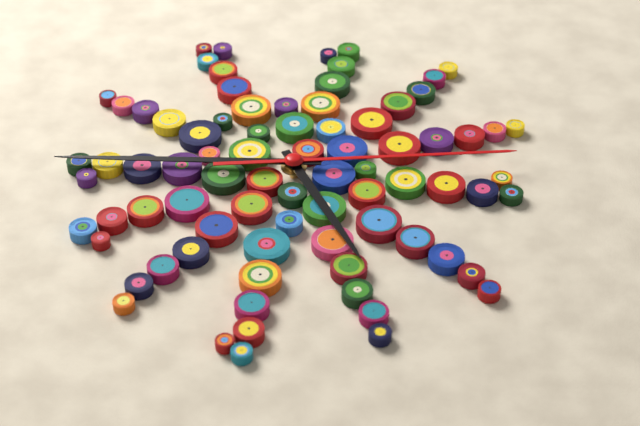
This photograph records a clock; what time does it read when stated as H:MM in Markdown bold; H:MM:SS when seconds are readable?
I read **4:43:12**
